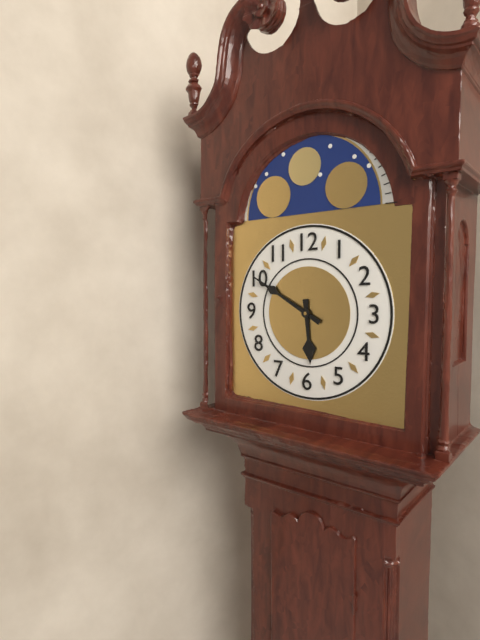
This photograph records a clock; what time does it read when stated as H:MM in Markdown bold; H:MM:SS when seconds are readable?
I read **5:50**
